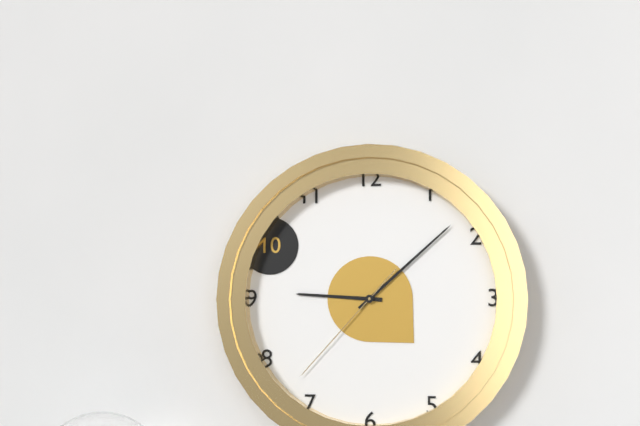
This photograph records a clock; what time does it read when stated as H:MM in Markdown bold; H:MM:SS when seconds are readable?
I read **9:08:37**
